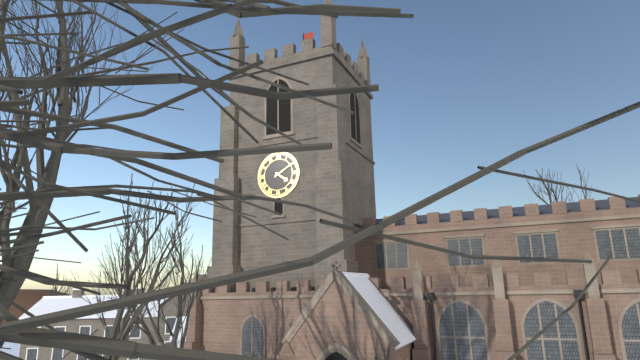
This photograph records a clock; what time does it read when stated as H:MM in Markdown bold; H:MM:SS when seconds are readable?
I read **4:10**
